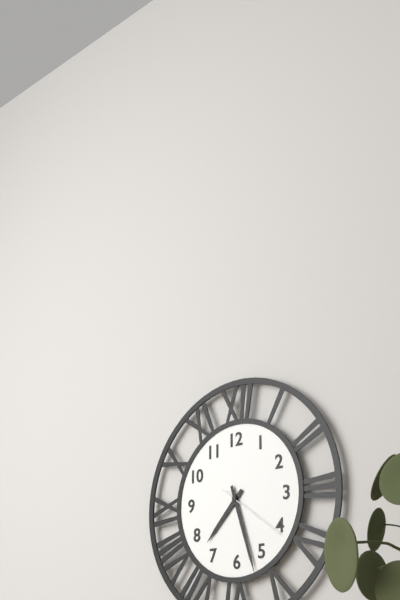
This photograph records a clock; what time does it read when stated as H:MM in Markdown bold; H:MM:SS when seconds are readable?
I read **7:27:21**
